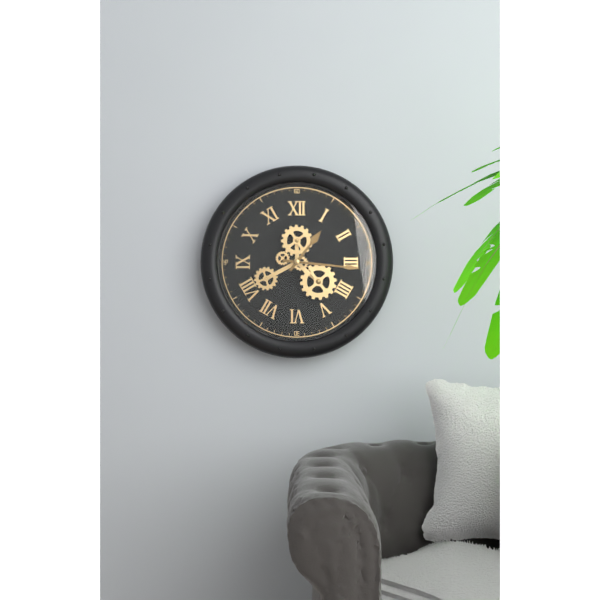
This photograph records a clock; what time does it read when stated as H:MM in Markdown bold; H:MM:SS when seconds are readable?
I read **1:16**
